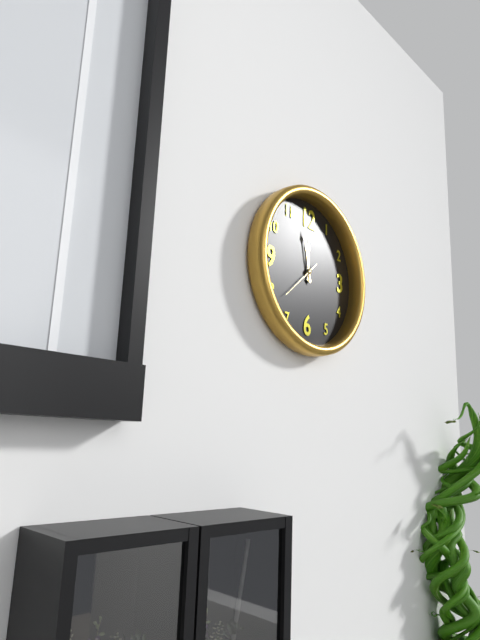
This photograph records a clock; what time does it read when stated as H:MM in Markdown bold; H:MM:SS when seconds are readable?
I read **11:58**
